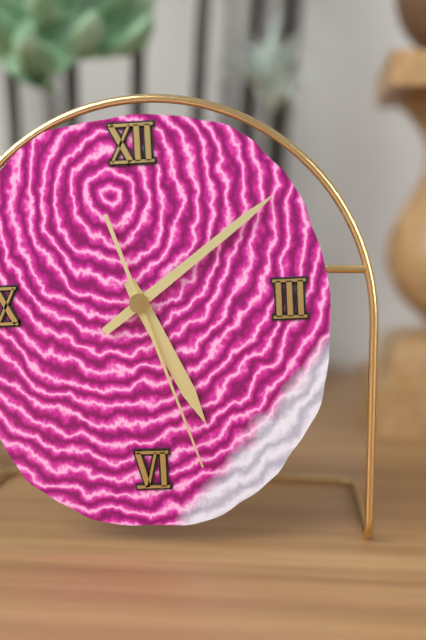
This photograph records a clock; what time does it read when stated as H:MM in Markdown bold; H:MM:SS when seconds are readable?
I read **5:09:27**
